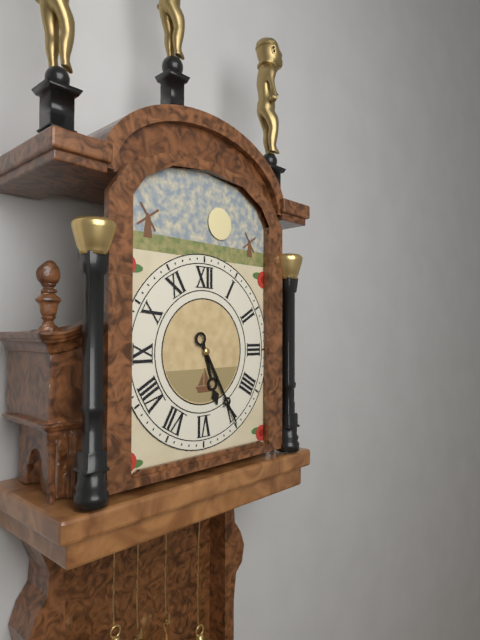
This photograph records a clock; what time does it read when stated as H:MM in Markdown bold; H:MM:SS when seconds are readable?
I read **5:25**
